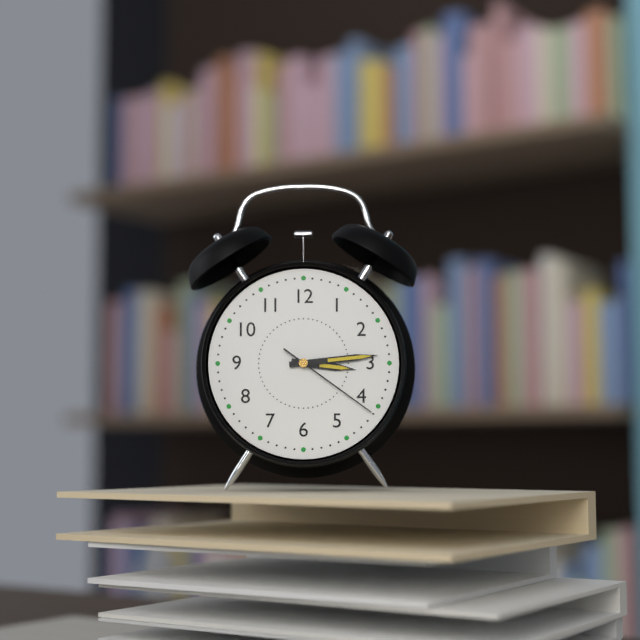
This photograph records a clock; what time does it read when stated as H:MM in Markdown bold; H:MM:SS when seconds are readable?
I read **3:14:21**
